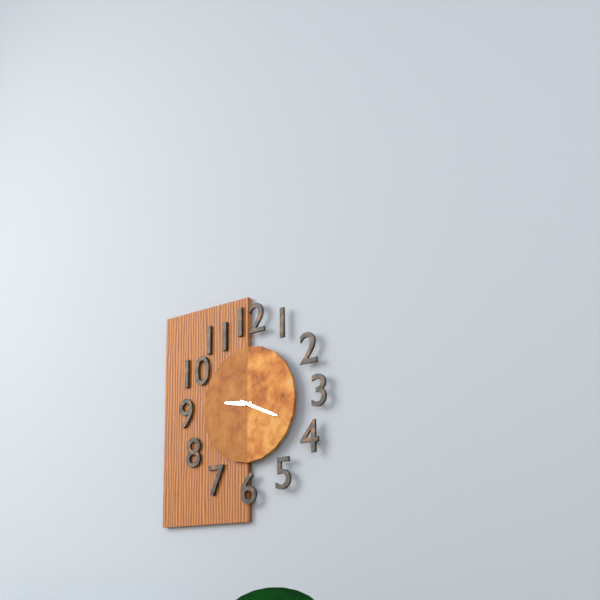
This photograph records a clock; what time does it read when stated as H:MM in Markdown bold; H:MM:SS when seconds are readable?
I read **9:19**
